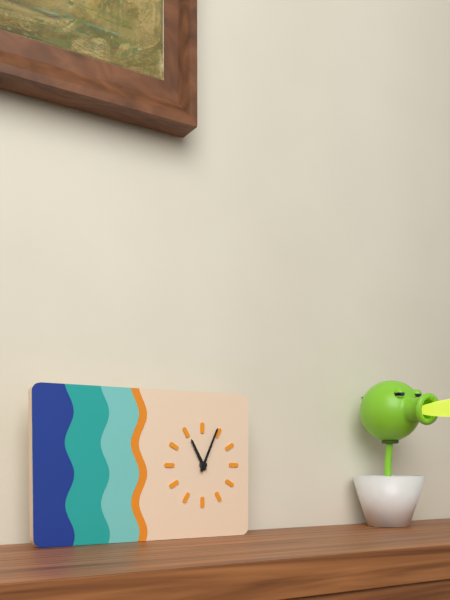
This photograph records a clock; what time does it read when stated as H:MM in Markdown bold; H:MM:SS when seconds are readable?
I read **11:04**
